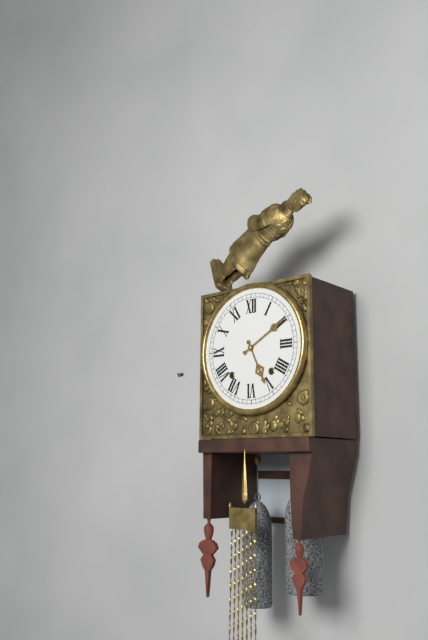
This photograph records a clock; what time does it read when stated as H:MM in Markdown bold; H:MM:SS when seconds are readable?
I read **5:10**
